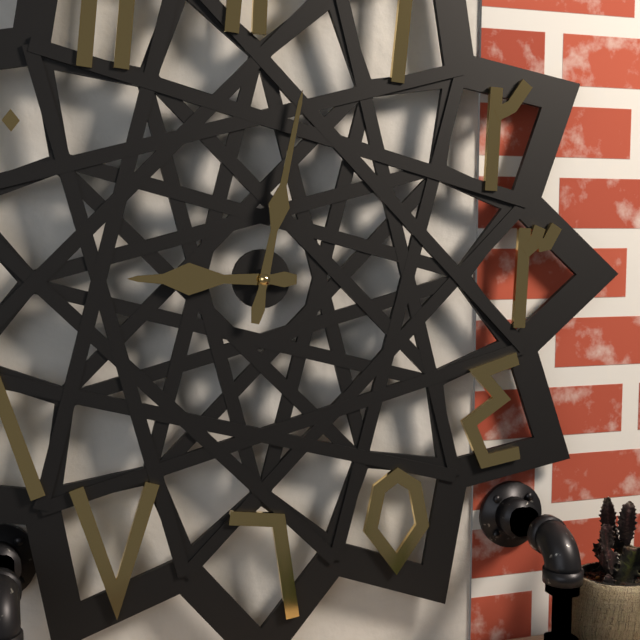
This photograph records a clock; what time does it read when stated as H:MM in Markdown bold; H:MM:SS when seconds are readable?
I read **9:02**
